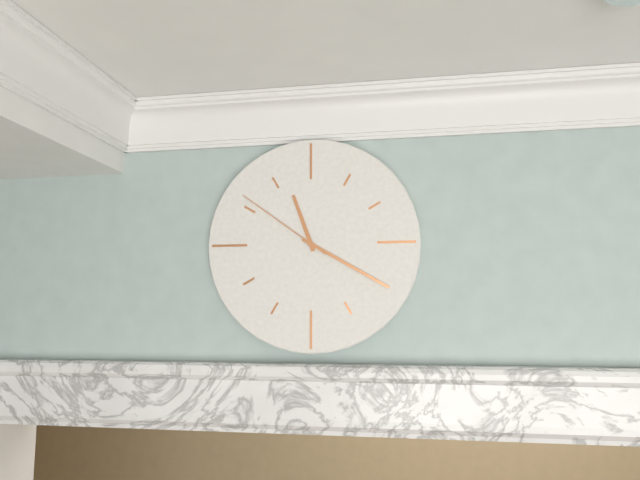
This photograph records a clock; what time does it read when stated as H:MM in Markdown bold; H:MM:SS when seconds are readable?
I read **11:20:51**
